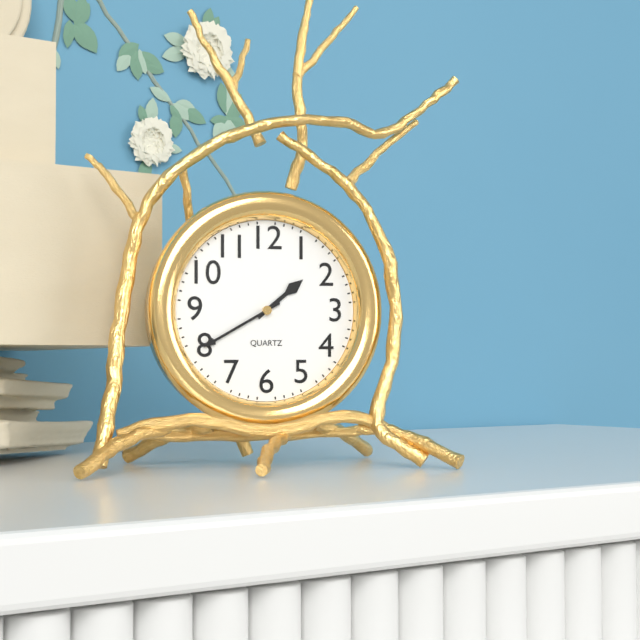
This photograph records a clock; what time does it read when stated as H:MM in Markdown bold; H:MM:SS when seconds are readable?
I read **1:40**
